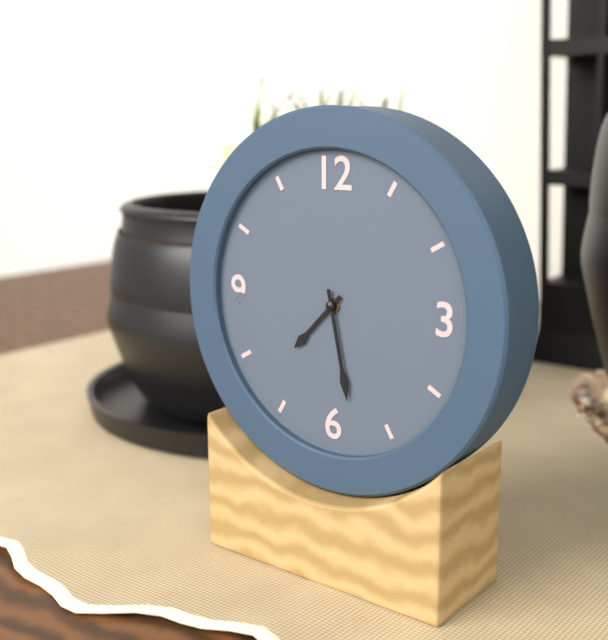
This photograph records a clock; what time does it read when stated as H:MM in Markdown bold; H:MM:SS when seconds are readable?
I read **7:28**
